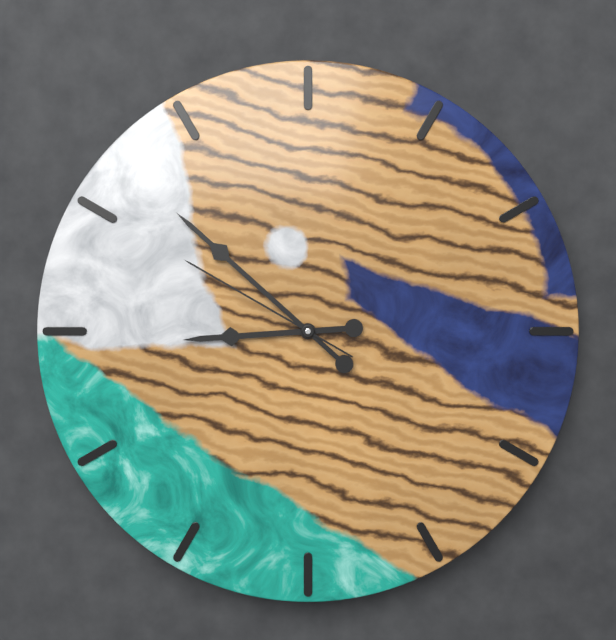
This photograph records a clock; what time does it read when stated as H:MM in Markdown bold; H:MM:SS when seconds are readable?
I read **8:52:50**
